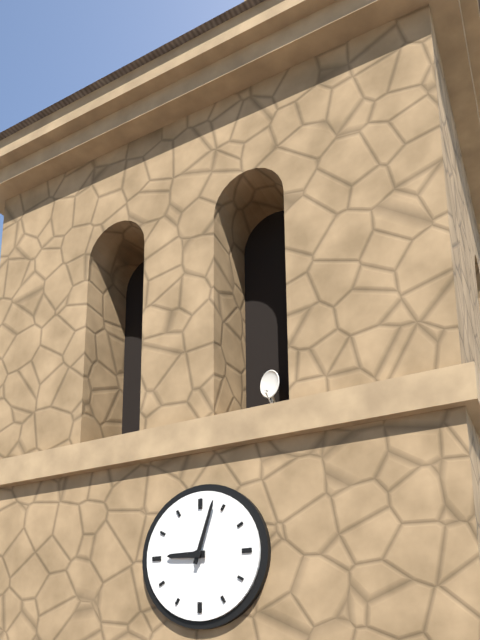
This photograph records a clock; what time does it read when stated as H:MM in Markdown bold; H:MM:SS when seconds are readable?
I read **9:03**
